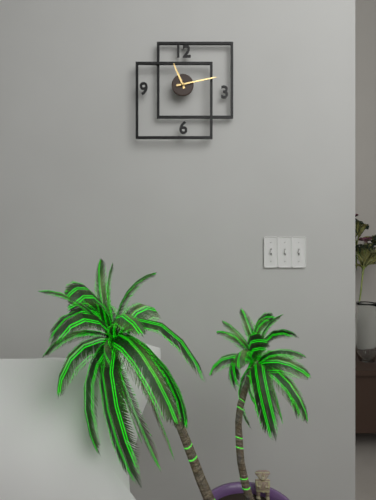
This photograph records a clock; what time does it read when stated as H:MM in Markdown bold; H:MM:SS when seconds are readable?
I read **11:13**
